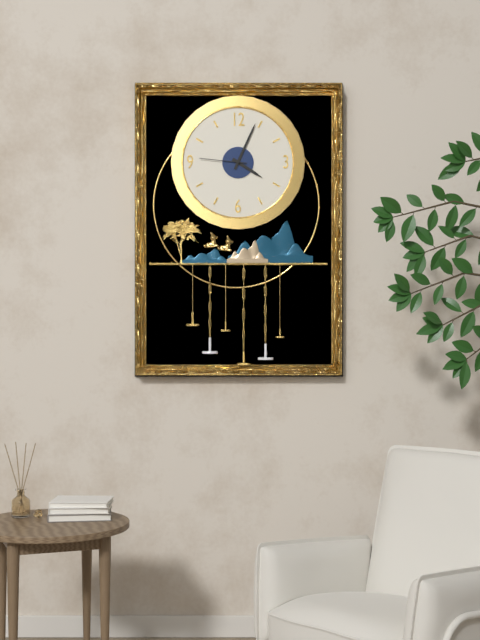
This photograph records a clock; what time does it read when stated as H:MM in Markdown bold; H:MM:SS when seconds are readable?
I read **4:04**
